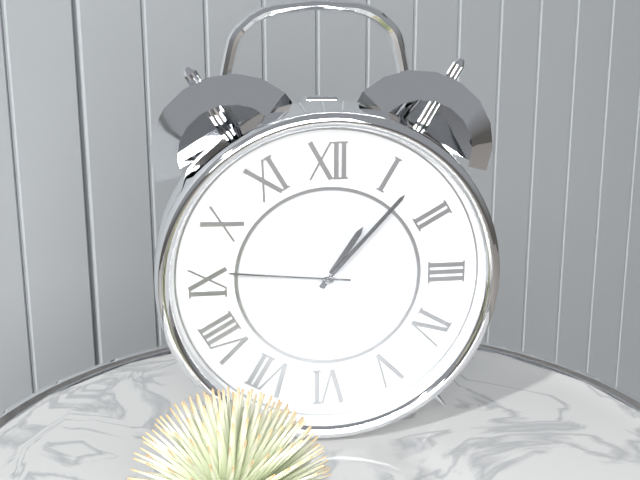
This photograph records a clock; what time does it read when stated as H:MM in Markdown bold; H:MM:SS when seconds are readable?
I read **1:07:46**
